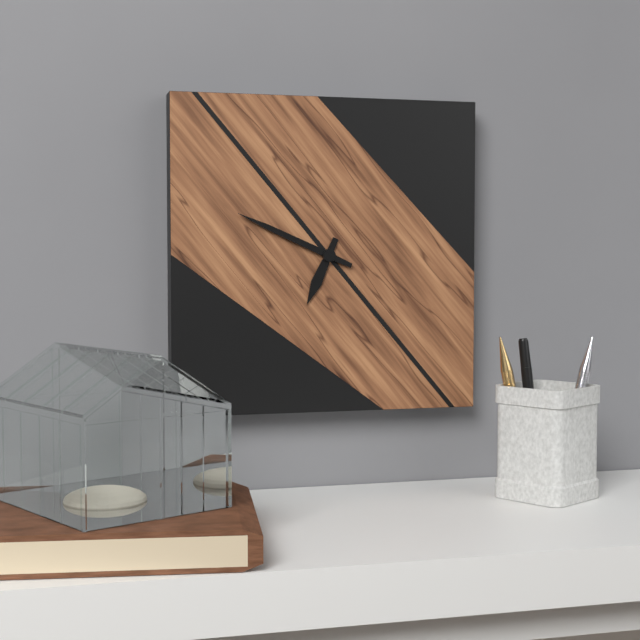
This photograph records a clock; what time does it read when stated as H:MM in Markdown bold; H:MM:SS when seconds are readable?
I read **6:49**
